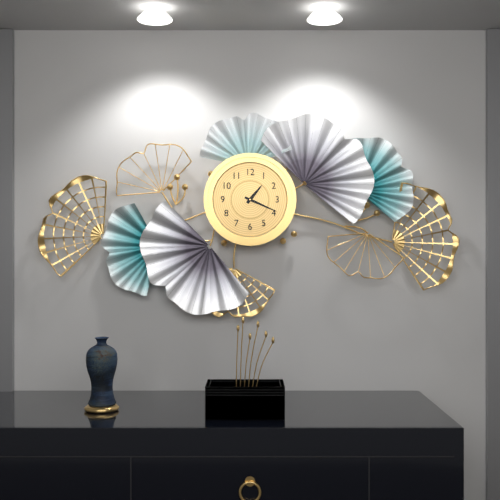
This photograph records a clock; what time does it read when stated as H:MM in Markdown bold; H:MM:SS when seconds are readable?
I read **1:19**
